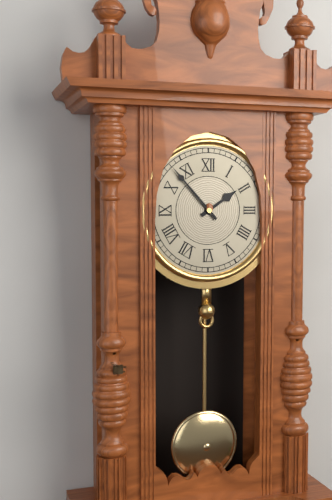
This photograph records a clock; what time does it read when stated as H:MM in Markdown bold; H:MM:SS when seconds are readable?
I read **1:53**
